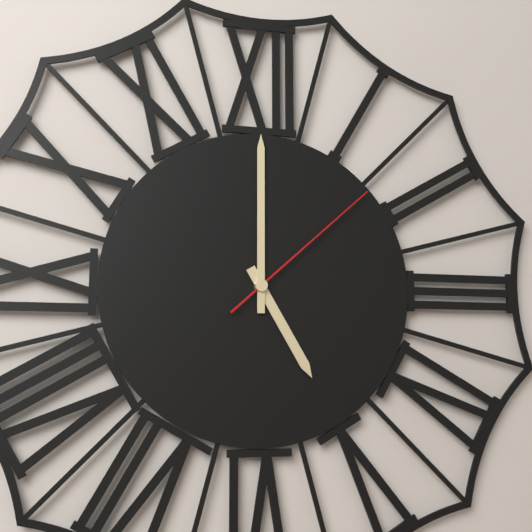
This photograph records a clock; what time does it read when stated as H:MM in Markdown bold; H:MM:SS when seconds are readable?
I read **5:00:08**
